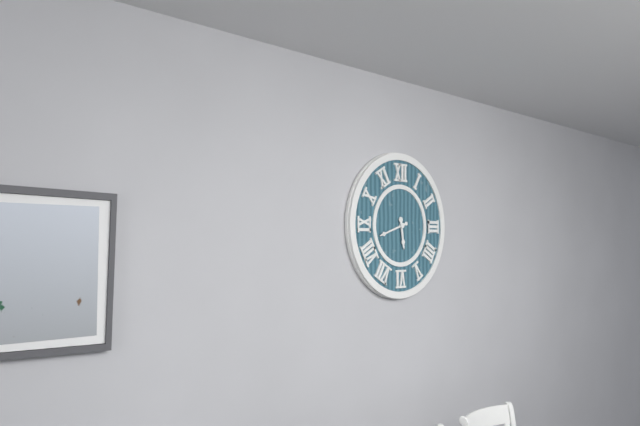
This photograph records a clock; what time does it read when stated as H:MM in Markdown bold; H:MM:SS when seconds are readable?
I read **5:42**
